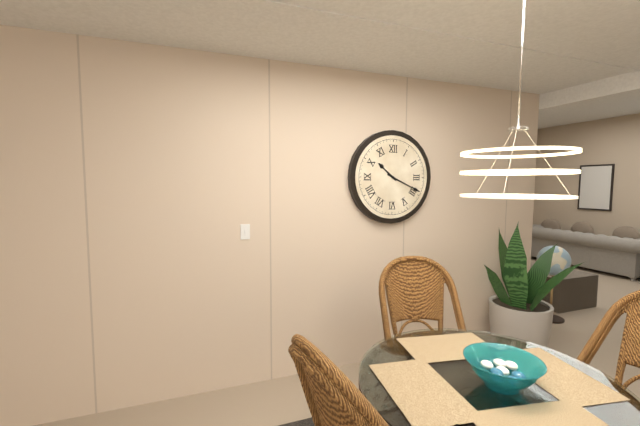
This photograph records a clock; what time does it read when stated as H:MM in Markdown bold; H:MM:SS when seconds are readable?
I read **10:19**
